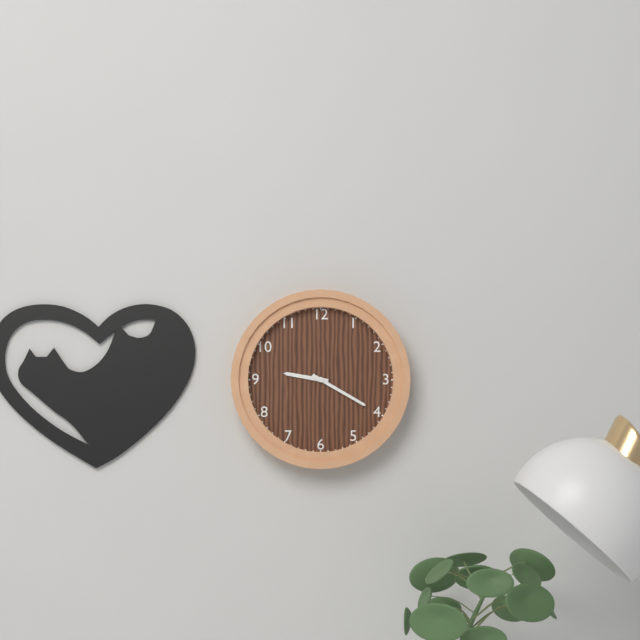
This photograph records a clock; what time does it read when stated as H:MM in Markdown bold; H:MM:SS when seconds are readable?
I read **9:20**
